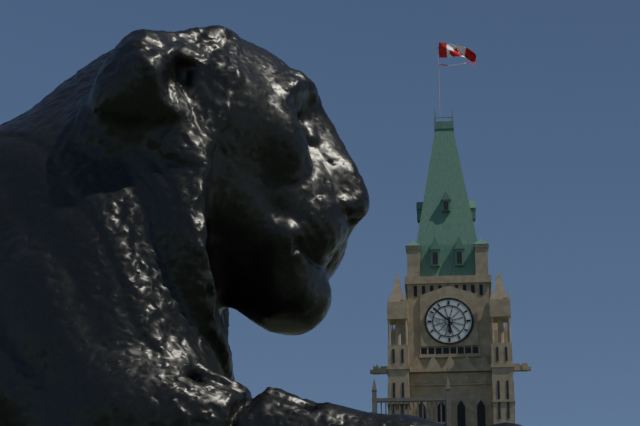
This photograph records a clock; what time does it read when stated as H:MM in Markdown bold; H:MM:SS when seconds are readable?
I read **5:52**
